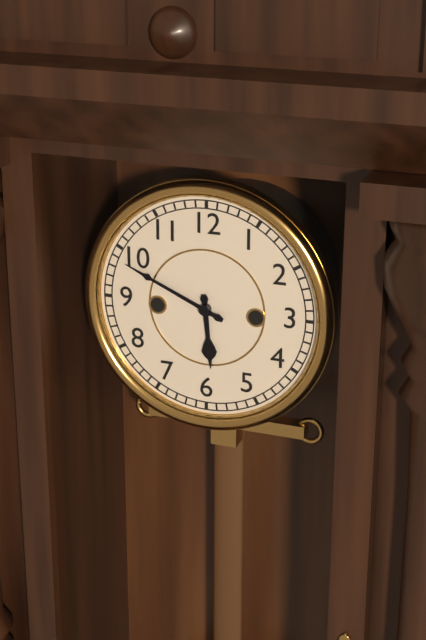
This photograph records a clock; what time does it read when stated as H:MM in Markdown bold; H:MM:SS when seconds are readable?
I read **5:49**
